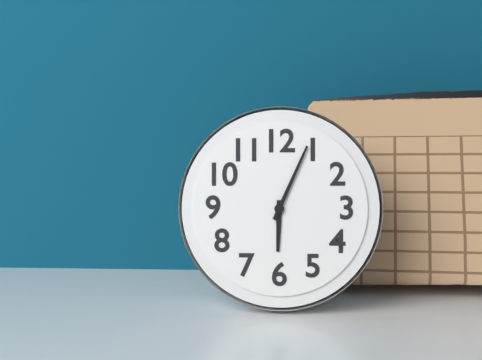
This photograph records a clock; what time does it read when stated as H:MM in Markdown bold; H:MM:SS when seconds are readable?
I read **6:04**
